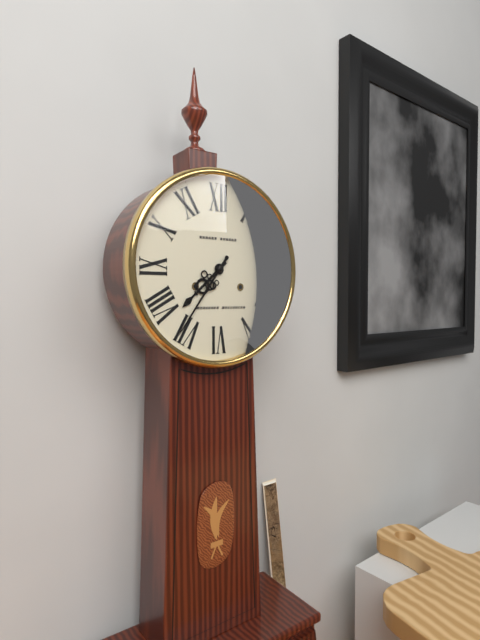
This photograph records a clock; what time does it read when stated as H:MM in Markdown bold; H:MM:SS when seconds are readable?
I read **7:36**
